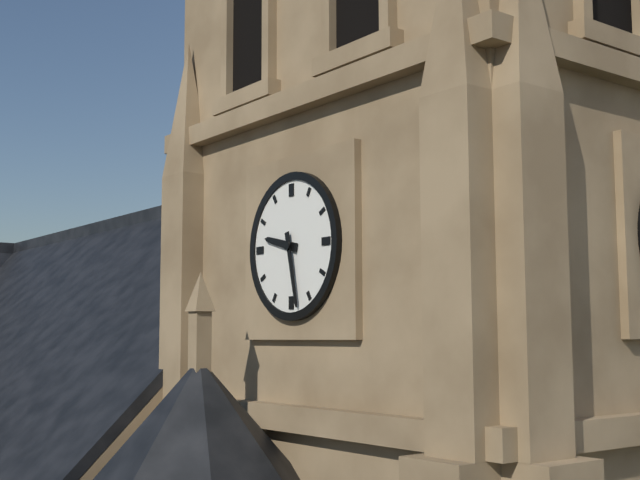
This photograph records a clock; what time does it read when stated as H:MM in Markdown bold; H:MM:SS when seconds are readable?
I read **9:28**
